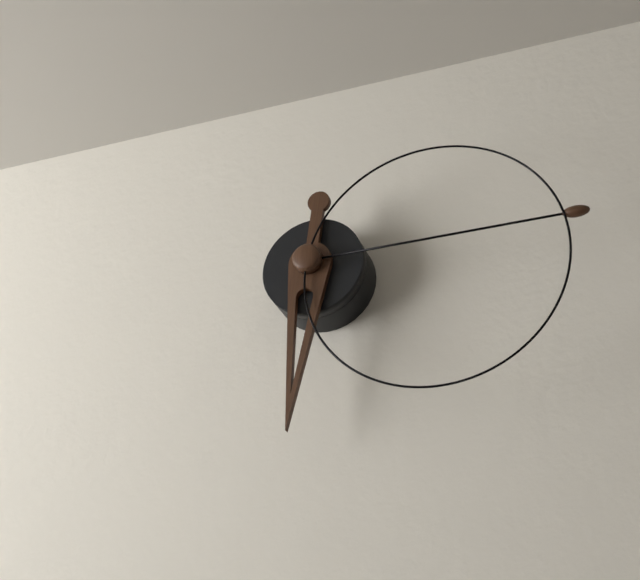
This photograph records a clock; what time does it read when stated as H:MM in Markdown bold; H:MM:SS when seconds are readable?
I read **6:15:17**
